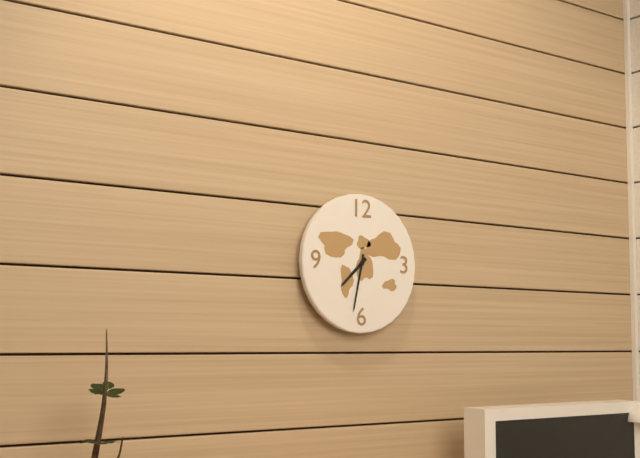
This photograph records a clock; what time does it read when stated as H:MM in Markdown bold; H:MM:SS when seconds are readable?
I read **7:32**
